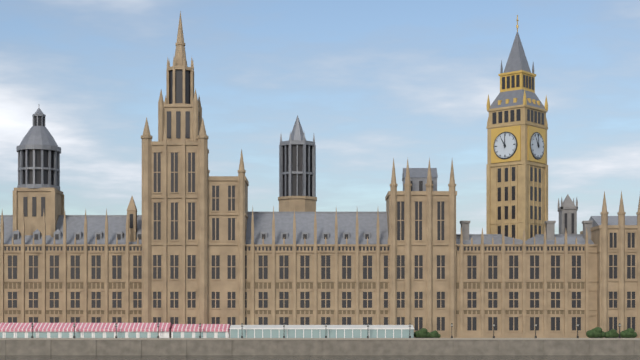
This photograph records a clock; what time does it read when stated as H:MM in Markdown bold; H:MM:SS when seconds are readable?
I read **11:00**
